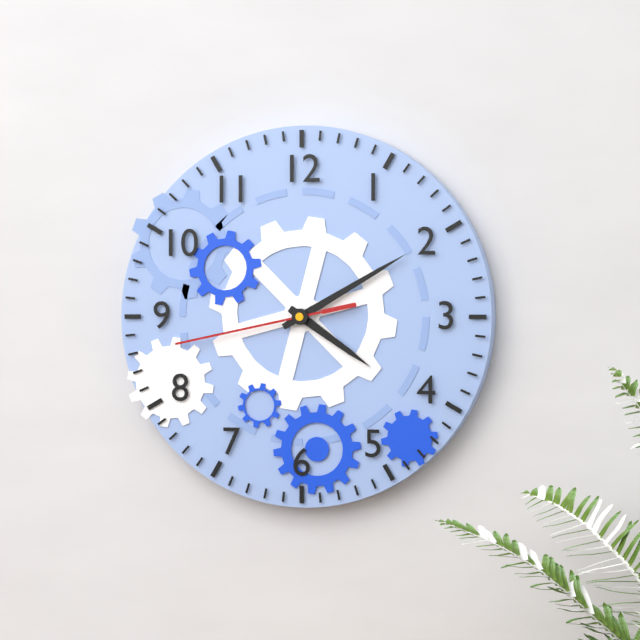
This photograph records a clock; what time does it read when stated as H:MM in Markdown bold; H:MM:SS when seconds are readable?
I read **4:10:43**
